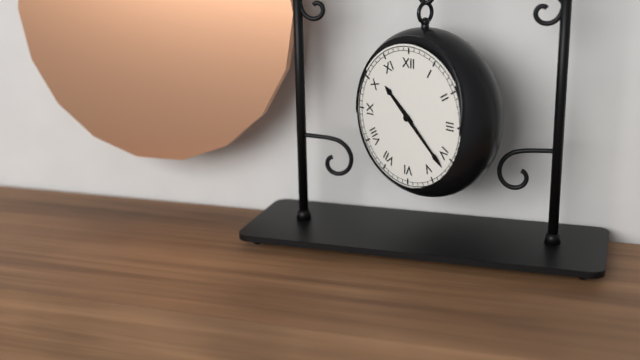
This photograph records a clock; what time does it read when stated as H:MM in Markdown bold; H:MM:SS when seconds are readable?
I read **10:22**
